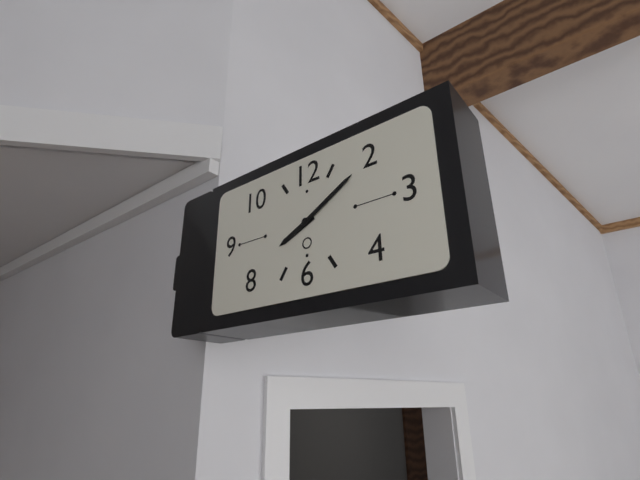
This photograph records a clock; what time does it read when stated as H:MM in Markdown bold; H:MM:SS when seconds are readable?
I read **8:10**
